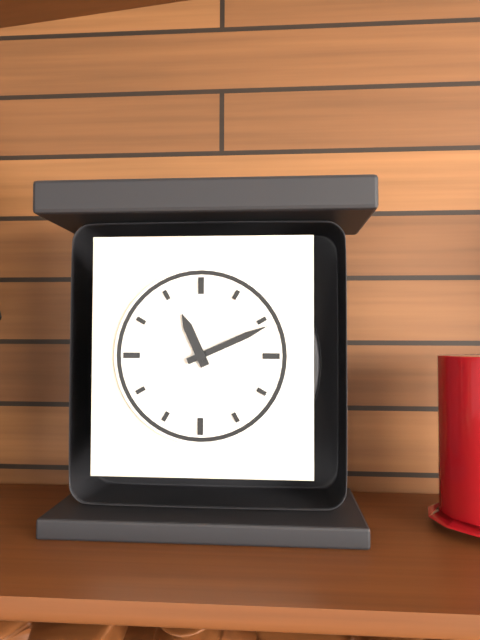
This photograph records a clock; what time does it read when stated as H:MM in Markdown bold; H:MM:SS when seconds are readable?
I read **11:11**
